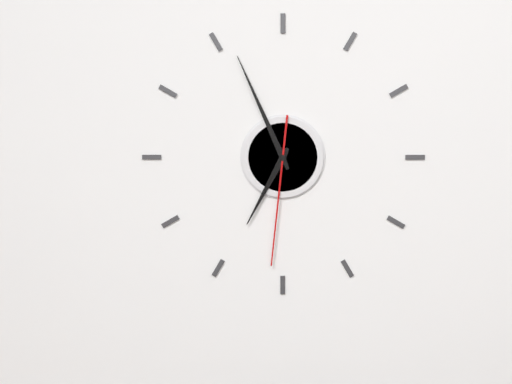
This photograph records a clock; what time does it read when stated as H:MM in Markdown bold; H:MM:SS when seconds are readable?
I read **6:56:31**
